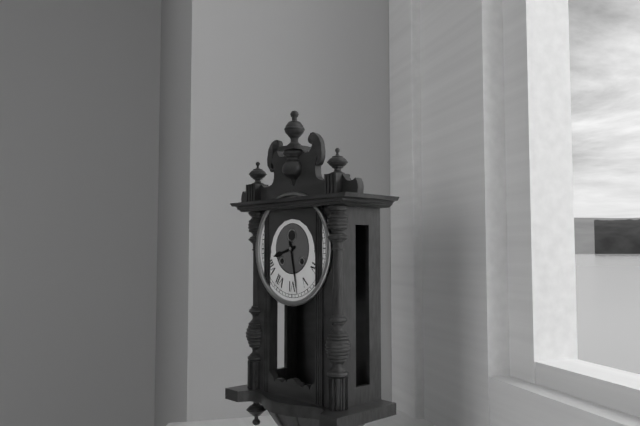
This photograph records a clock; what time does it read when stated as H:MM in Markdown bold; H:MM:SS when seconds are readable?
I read **8:28**
